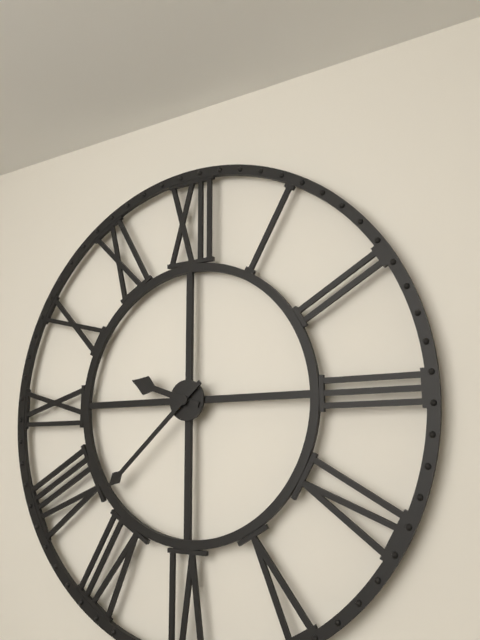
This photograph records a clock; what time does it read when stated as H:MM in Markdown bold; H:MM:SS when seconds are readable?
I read **9:38**
